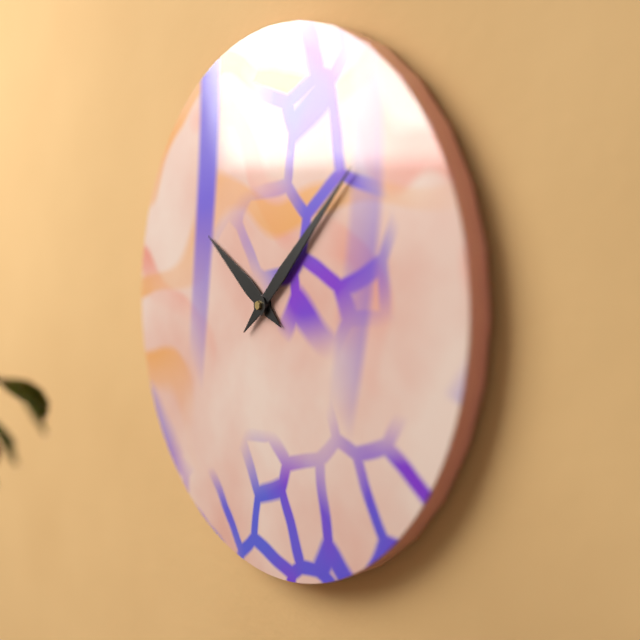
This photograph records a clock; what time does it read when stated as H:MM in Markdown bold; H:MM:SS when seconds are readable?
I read **10:08**
